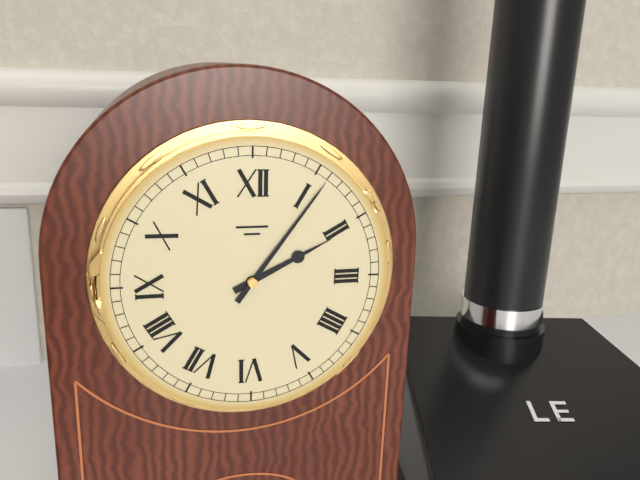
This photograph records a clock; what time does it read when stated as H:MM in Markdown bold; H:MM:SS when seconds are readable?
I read **2:06**
